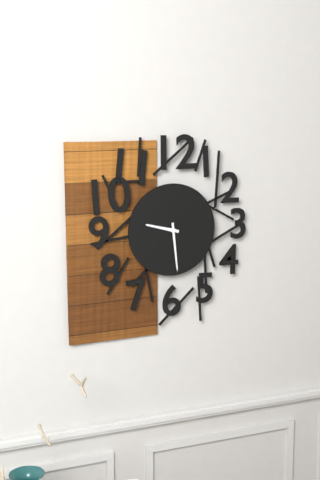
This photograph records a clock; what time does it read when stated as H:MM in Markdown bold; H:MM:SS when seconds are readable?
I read **9:29**
